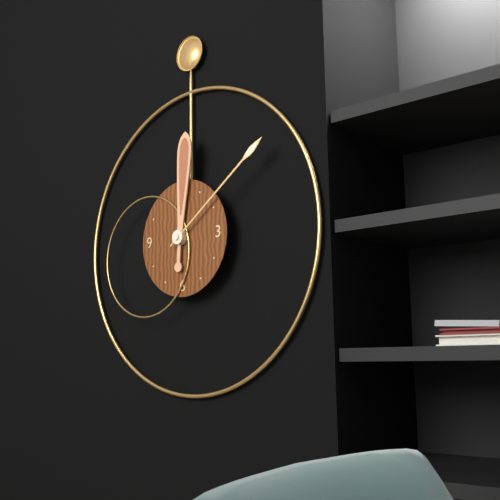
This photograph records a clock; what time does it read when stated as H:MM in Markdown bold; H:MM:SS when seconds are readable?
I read **12:09**
